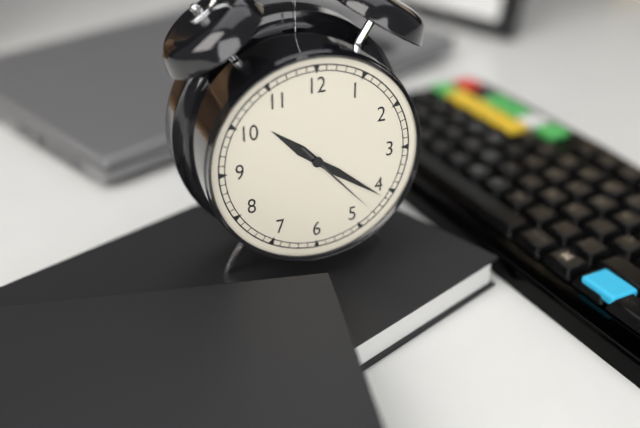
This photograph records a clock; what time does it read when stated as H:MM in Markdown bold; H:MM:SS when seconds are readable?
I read **10:21:23**
